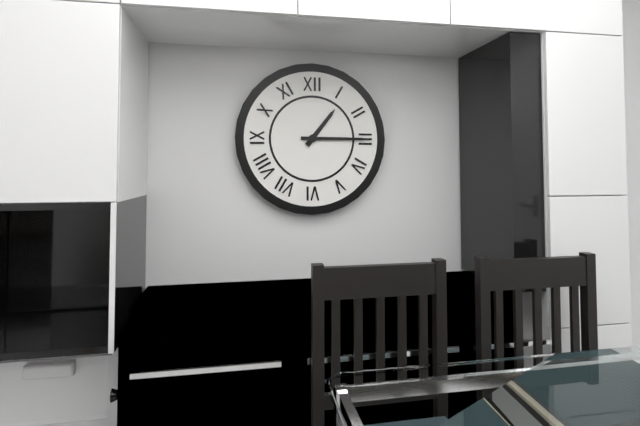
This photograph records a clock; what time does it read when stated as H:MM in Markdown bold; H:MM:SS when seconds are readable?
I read **1:15**
